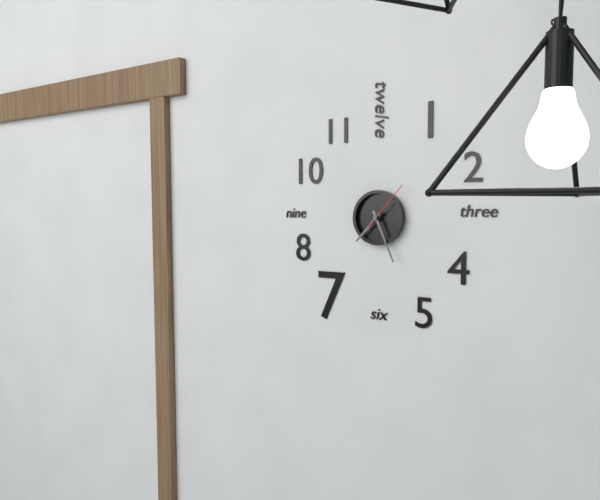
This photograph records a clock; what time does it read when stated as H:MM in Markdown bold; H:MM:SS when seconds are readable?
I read **7:26:07**
